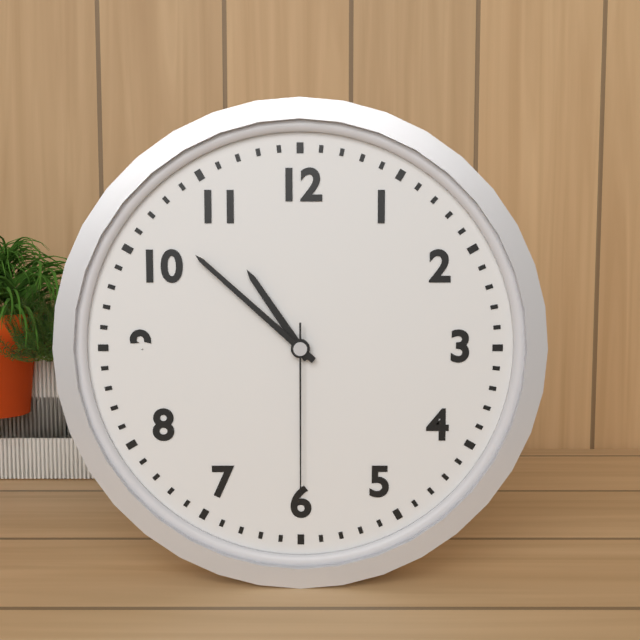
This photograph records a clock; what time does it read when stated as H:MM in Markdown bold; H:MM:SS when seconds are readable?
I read **10:52:30**
